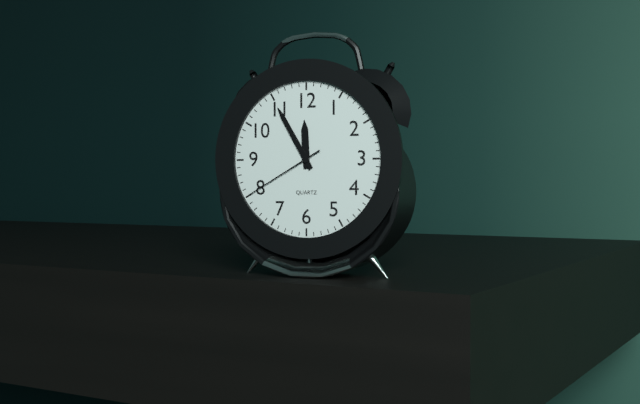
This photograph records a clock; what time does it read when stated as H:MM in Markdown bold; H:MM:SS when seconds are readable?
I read **11:55:40**
